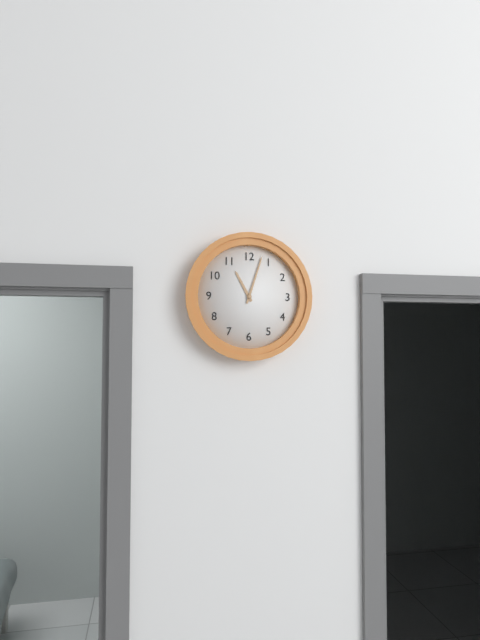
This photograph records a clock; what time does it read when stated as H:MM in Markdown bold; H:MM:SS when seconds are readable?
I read **11:03**
